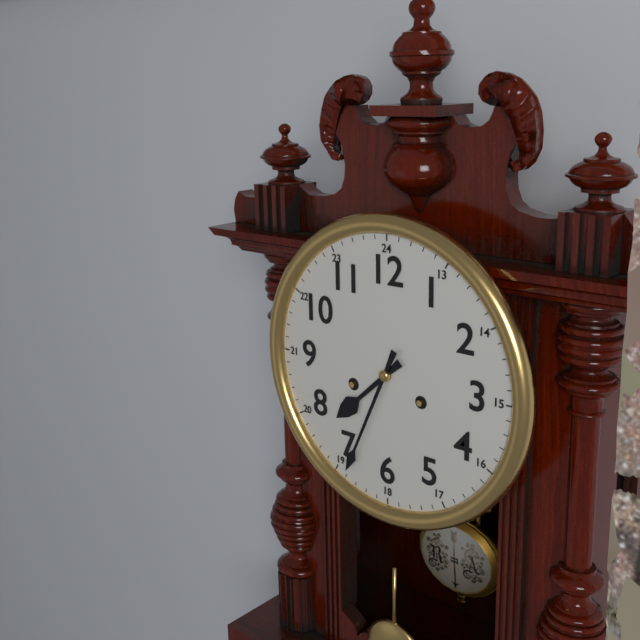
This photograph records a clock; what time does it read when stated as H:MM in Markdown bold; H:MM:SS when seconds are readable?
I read **7:34**
